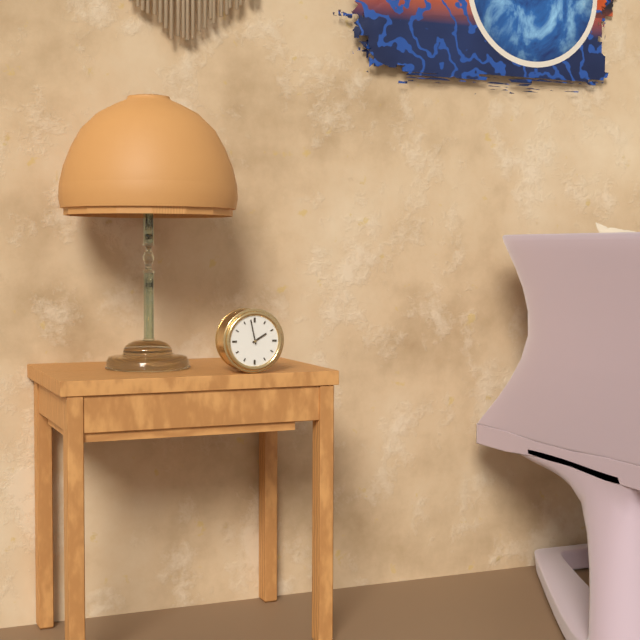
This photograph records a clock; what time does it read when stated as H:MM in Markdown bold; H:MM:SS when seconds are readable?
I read **1:58**
